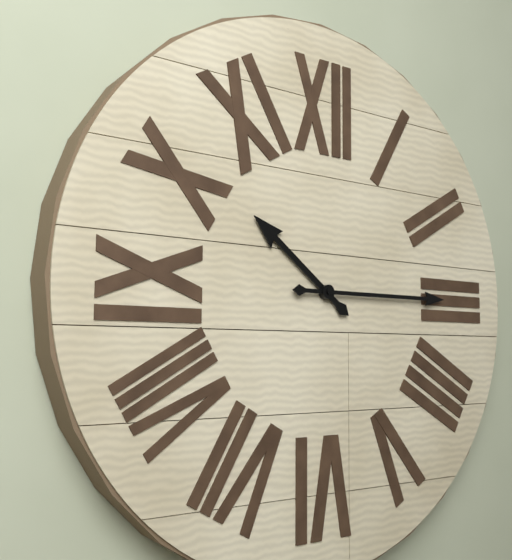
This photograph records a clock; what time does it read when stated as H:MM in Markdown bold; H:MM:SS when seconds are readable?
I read **10:15**
